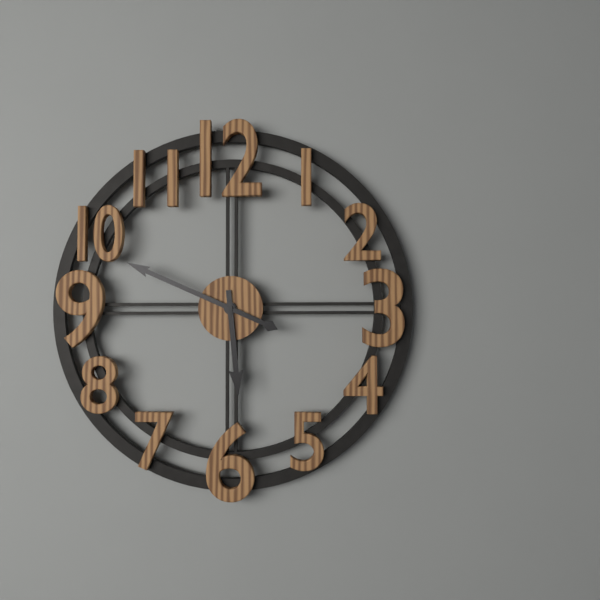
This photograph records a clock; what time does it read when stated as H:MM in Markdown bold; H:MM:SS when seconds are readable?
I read **5:49**
